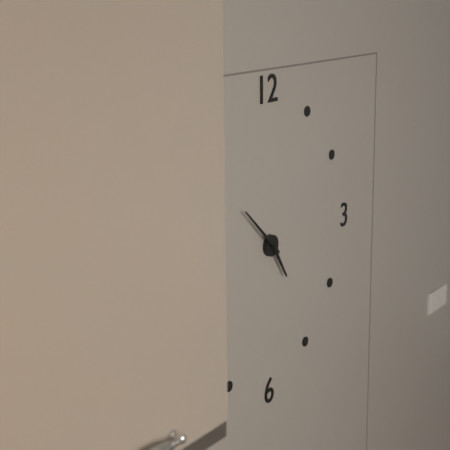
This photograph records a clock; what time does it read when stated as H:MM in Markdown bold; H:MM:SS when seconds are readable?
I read **4:52**
